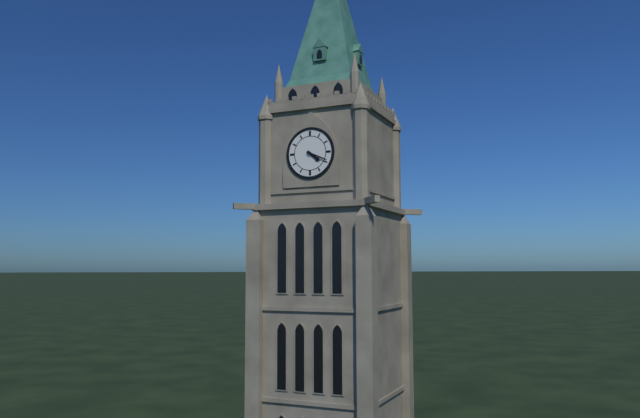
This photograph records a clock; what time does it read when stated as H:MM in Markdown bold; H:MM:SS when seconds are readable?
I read **4:19**
